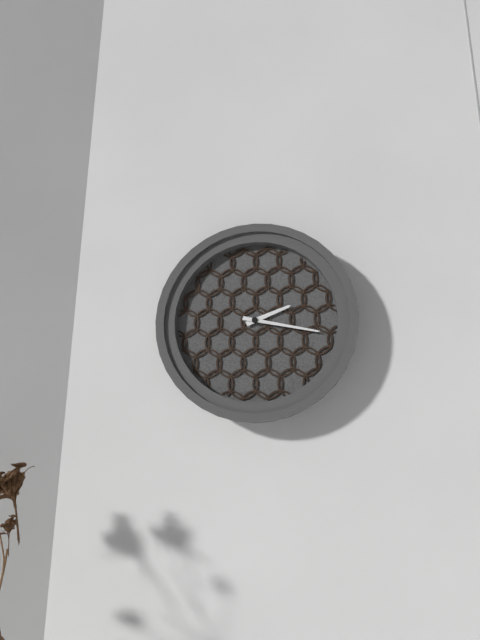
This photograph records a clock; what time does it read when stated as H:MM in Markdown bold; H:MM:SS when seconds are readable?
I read **2:17**
